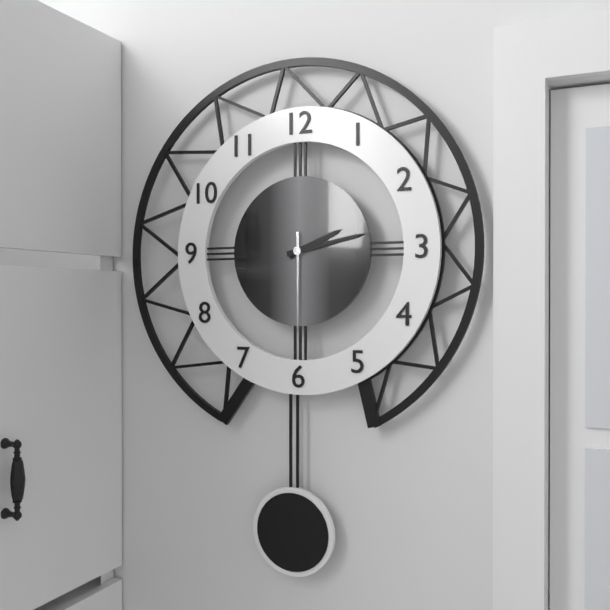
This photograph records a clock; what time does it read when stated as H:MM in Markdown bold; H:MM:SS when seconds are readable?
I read **2:13:30**
